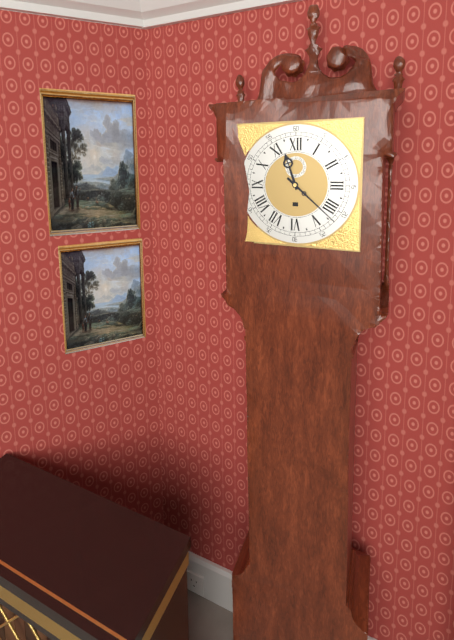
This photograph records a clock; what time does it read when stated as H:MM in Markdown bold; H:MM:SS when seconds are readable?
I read **11:22**
